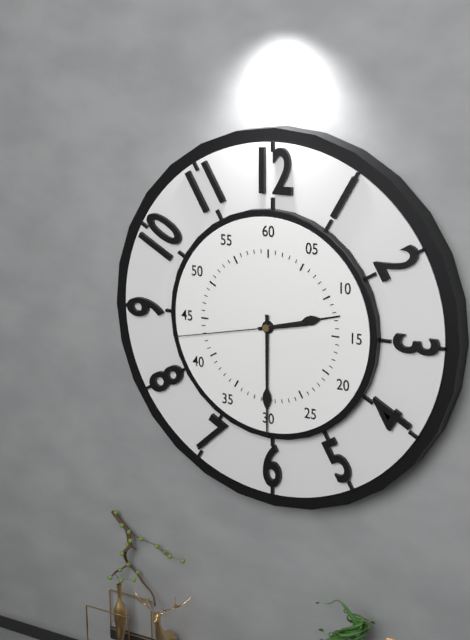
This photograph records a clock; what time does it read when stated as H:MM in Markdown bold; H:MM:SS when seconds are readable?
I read **2:30:43**
